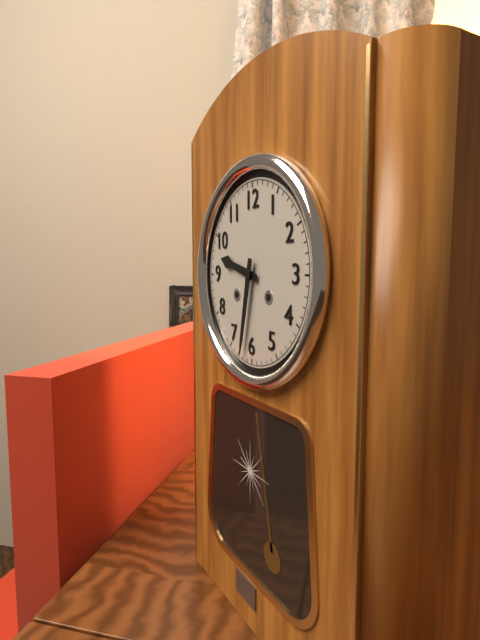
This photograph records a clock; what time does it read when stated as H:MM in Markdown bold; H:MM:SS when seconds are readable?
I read **9:32**
